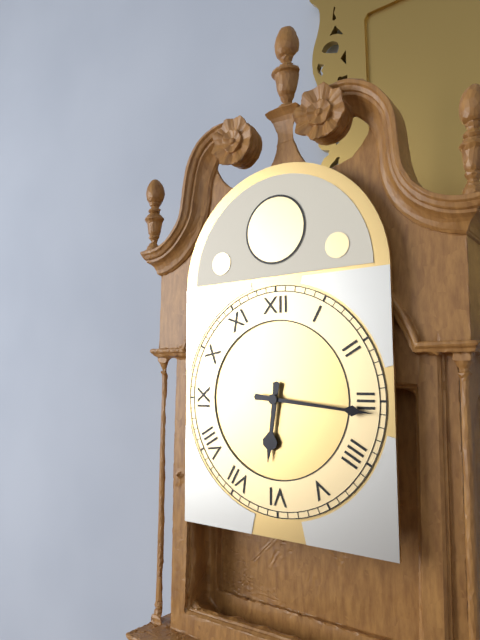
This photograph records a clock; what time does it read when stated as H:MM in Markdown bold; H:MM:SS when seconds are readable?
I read **6:16**
